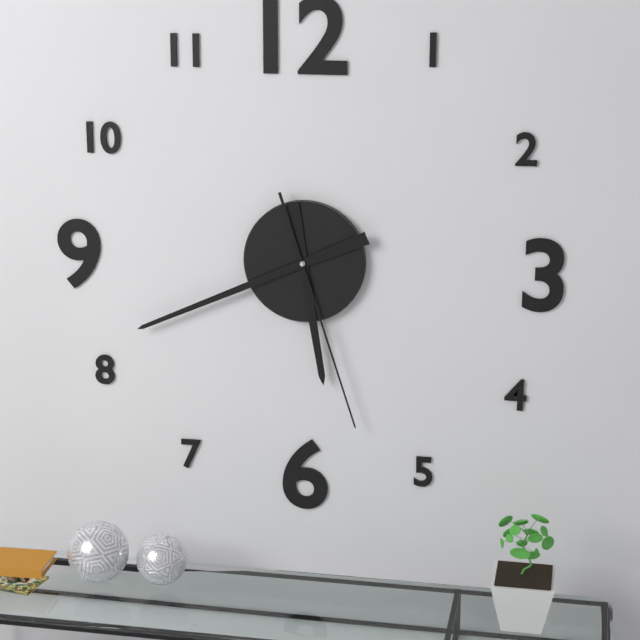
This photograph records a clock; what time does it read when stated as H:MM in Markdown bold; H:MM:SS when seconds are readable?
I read **5:41:27**
